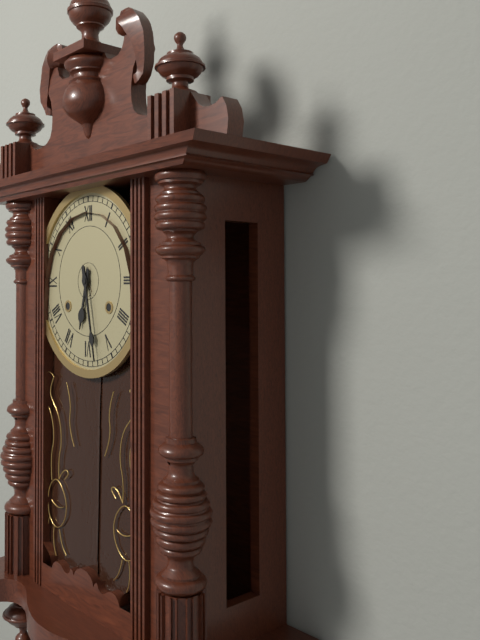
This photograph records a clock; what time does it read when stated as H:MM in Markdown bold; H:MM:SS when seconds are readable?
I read **6:28**
